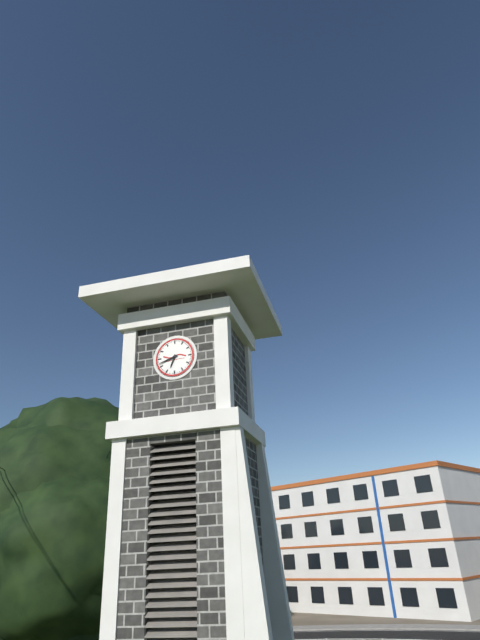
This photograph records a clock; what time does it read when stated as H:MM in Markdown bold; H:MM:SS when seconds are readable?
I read **6:42**
